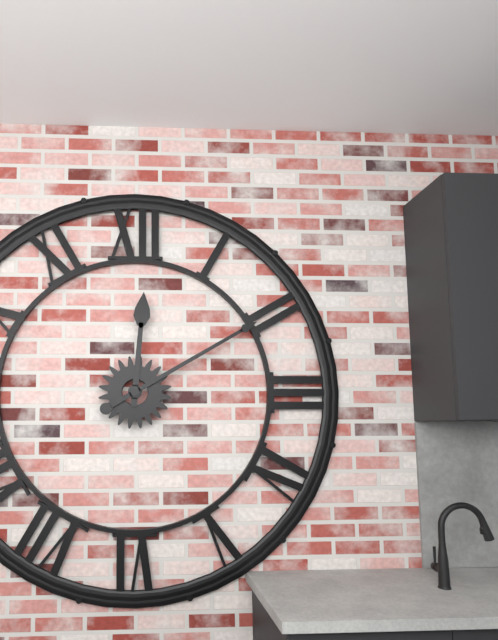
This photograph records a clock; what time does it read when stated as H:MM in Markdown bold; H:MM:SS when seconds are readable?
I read **12:10**
